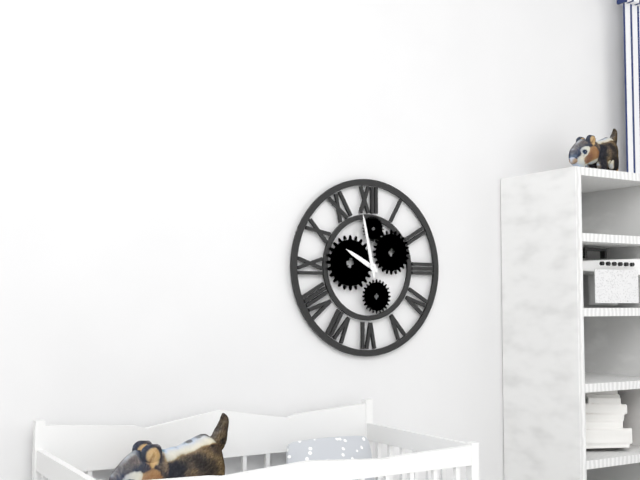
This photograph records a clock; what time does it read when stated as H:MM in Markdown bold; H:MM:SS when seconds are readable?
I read **9:58**
